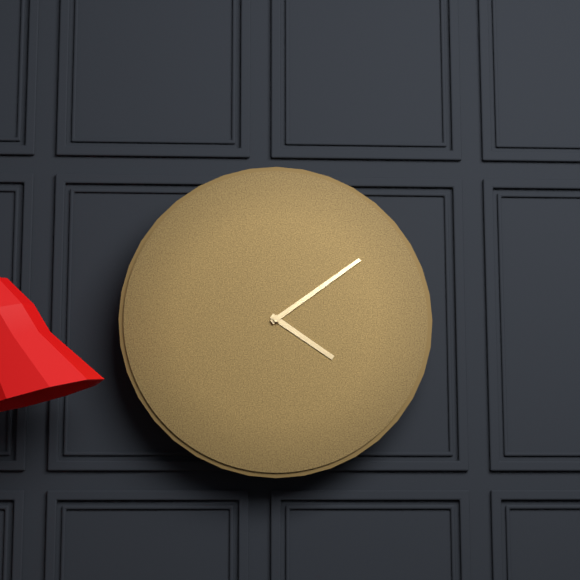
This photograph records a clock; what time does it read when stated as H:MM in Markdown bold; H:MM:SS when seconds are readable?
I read **4:09**
